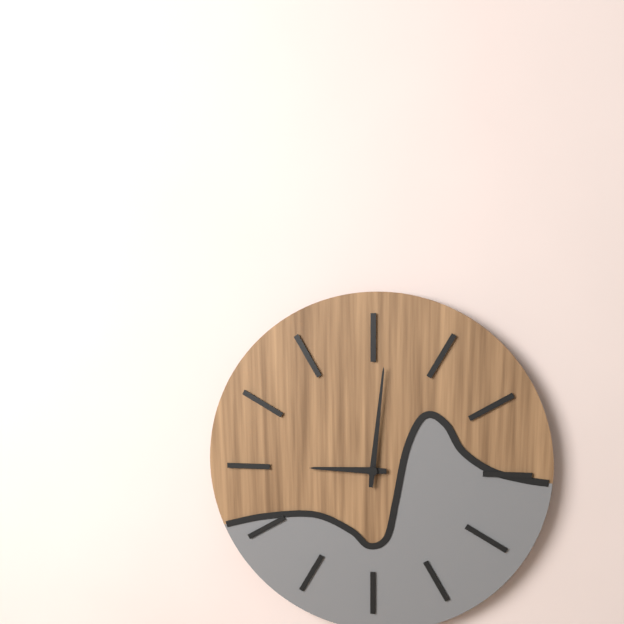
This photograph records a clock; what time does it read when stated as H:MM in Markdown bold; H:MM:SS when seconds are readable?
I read **9:01**
